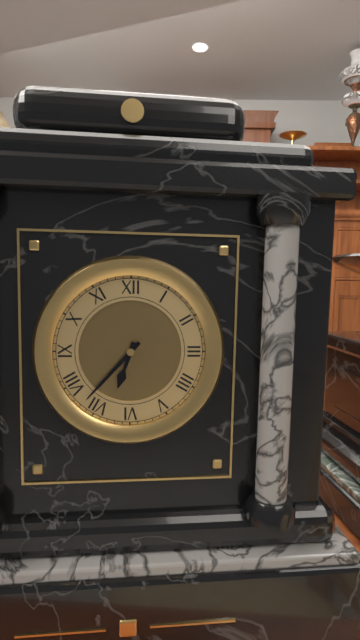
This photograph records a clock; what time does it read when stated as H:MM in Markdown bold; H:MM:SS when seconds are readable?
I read **6:37**
